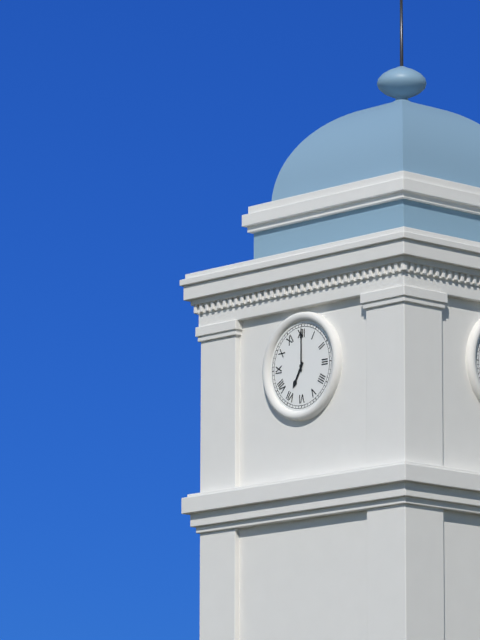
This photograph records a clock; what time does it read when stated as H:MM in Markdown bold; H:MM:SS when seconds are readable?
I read **7:00**
